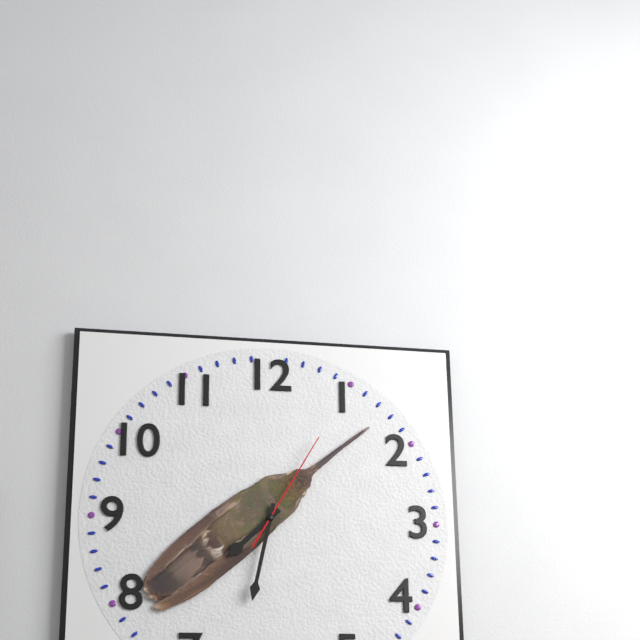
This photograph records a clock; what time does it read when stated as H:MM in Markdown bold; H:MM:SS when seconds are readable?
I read **7:32:05**
